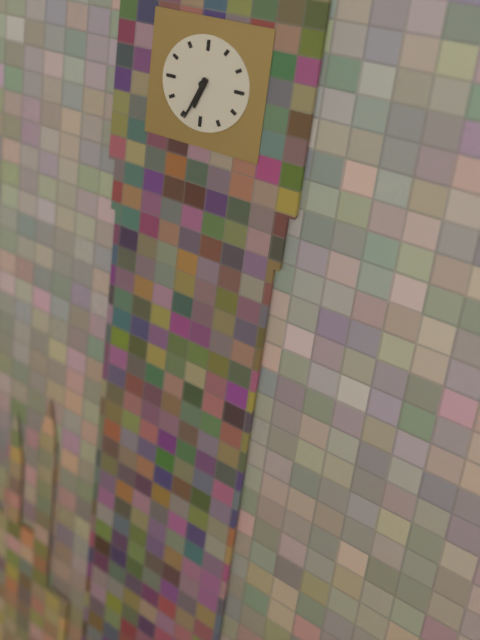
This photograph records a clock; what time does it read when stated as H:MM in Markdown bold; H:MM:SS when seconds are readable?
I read **6:34**
